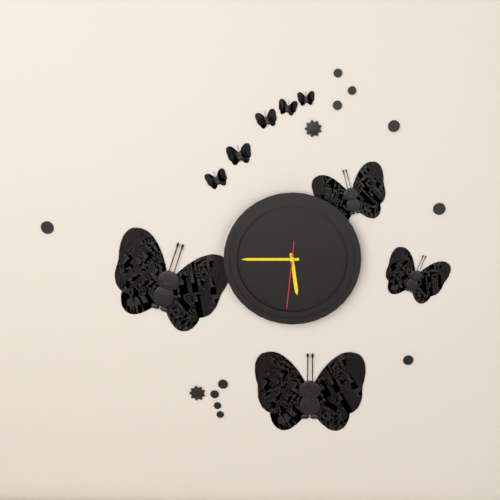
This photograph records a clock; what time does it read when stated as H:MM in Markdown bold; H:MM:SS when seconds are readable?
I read **5:45:31**
